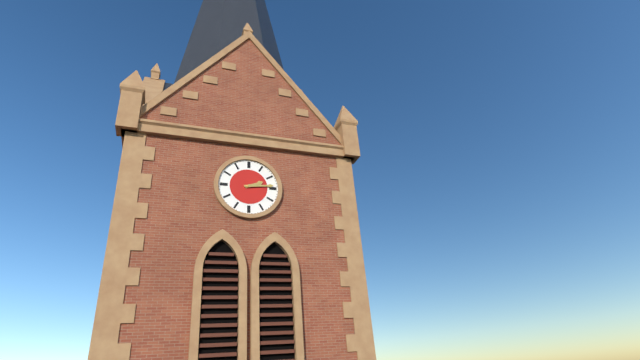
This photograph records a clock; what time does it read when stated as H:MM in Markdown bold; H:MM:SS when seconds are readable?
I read **2:14**
